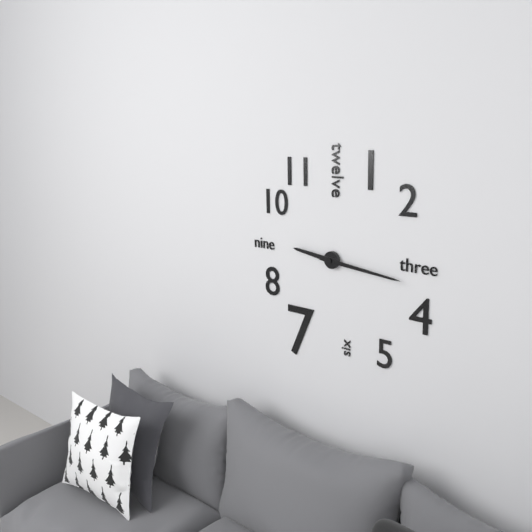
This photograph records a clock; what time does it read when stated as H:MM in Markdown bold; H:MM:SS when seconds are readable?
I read **9:16**
